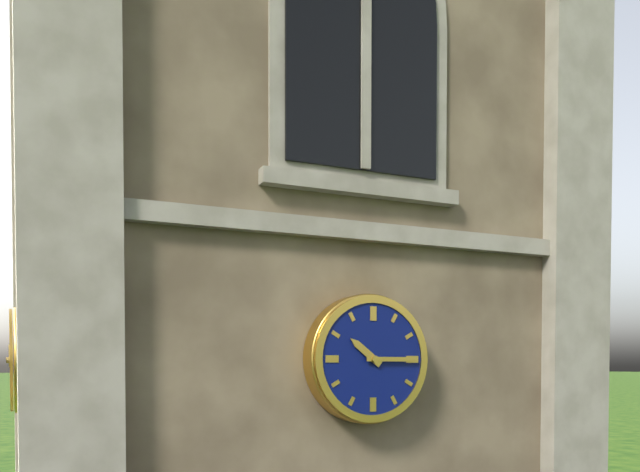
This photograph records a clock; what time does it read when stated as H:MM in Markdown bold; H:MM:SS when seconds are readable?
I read **10:15**
